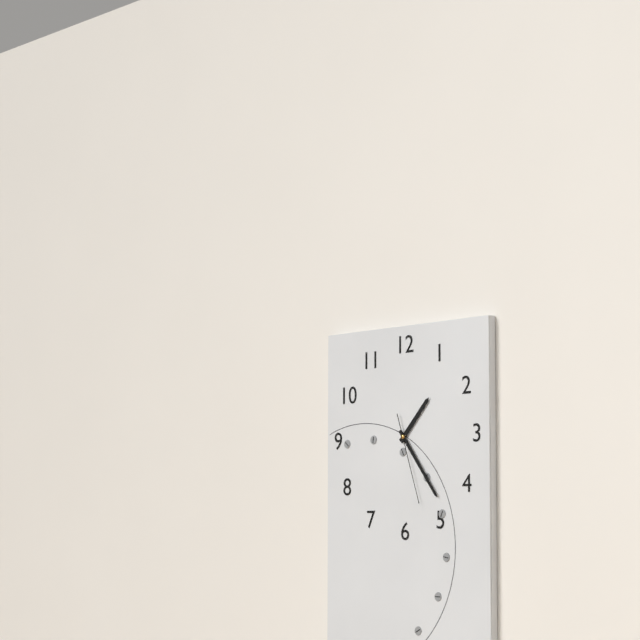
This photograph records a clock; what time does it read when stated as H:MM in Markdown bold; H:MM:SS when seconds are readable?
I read **1:24:27**
